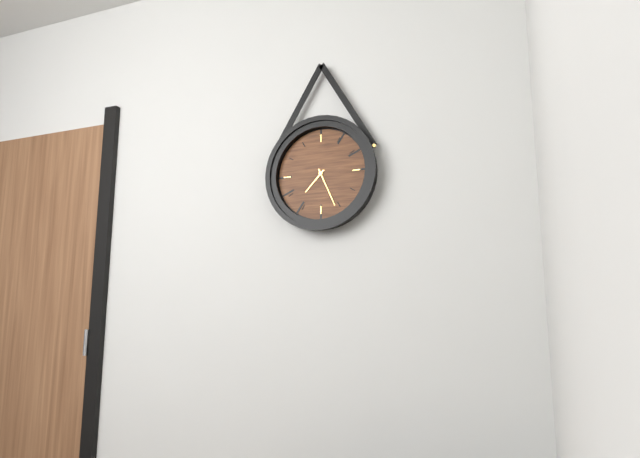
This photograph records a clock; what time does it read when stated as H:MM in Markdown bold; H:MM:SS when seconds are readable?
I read **7:26**
